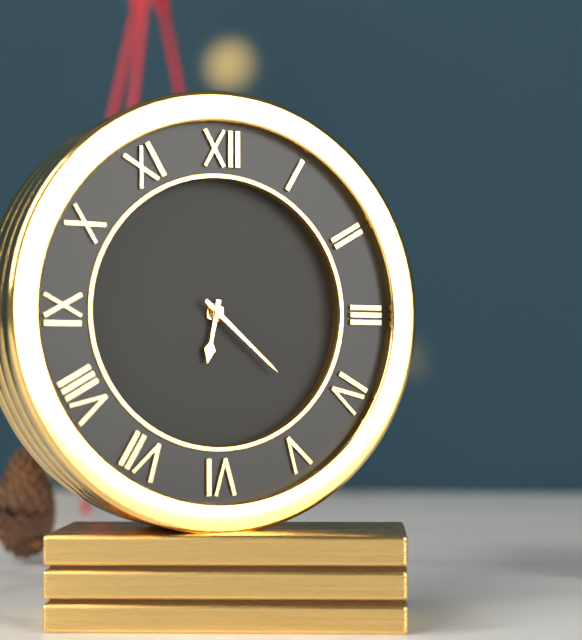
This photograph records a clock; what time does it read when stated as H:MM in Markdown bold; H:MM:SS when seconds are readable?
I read **6:22**
